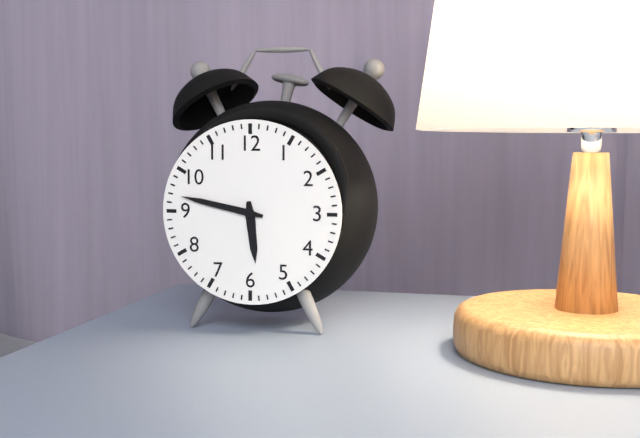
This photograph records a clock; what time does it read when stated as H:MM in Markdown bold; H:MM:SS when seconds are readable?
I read **5:47**
